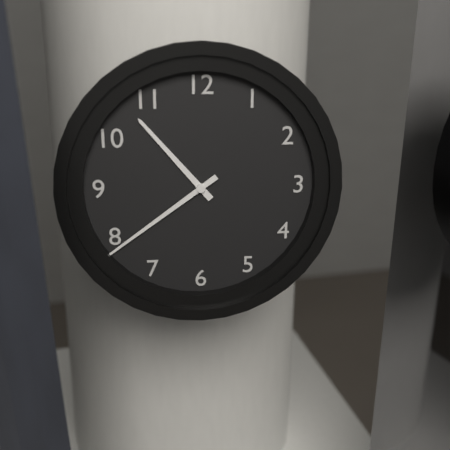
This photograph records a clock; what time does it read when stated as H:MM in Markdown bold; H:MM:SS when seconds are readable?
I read **10:39**
